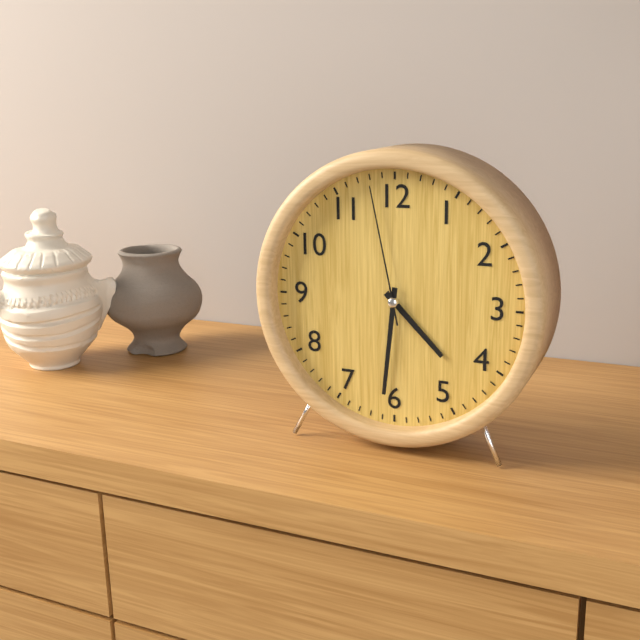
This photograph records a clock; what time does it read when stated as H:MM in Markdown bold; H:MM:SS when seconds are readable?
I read **4:31:58**
